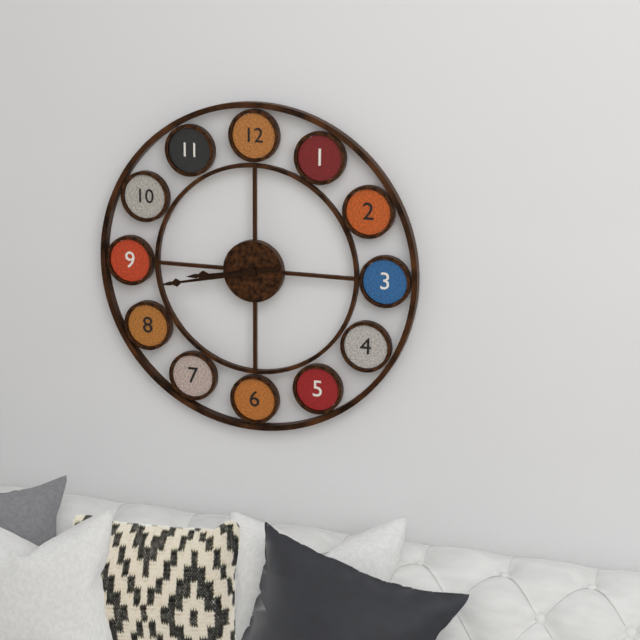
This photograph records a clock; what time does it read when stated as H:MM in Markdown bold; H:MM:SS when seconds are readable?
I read **8:43**
